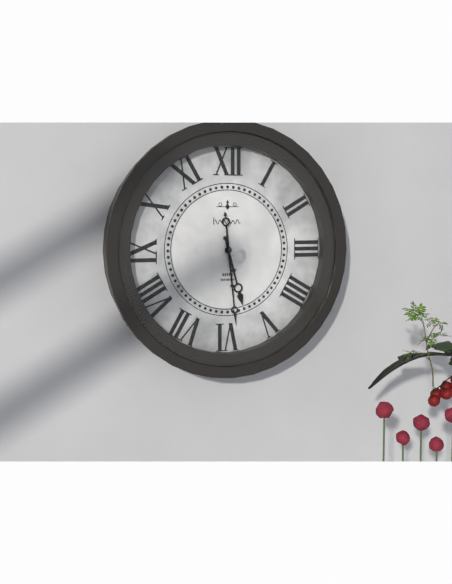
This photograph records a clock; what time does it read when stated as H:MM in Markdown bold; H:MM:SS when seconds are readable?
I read **5:29**
